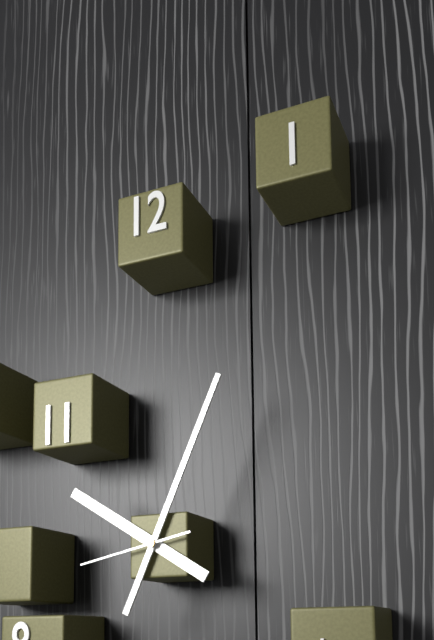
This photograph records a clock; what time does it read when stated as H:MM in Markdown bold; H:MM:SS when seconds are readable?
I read **10:04:43**
